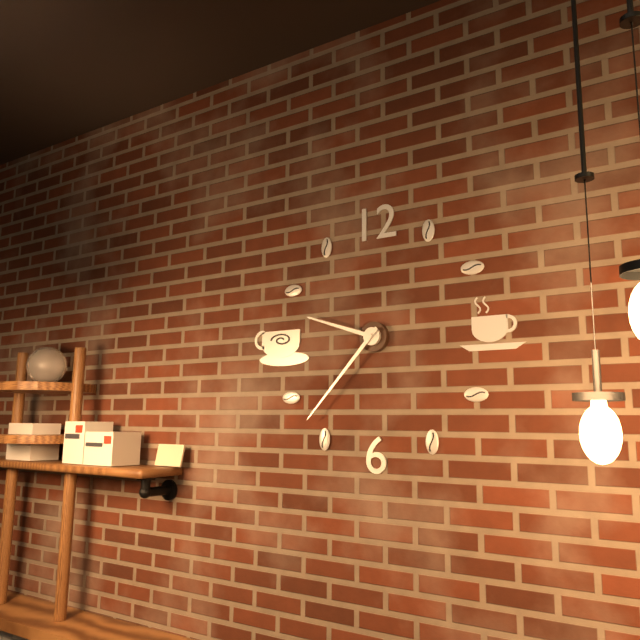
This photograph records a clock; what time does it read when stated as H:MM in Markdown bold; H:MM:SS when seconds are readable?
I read **9:37**
